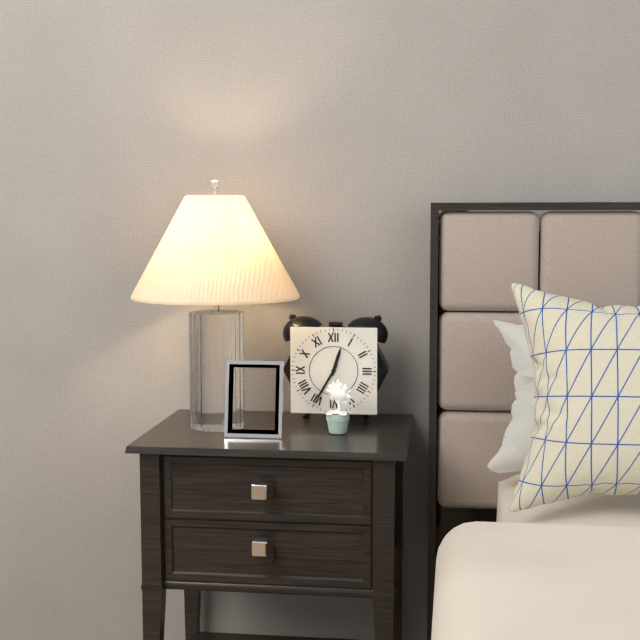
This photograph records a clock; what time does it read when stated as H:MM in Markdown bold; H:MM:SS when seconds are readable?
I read **12:35**
